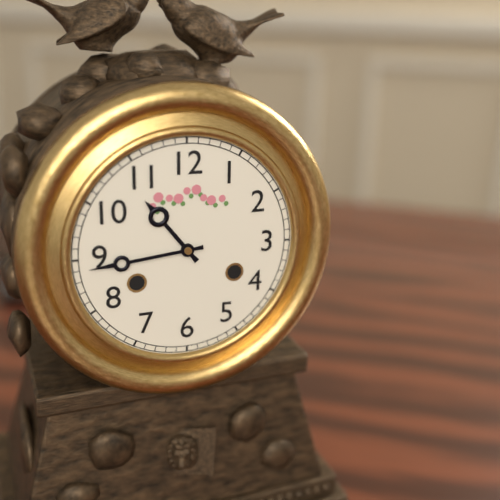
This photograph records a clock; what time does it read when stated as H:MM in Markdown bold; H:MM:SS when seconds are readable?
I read **10:44**
